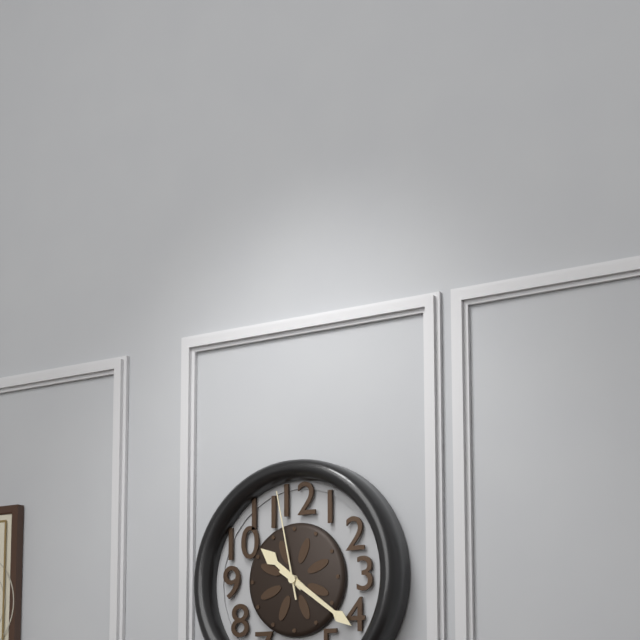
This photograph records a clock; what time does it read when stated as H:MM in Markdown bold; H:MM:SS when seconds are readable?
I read **10:21:58**
